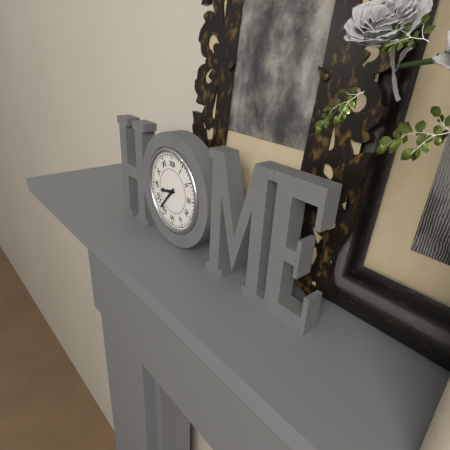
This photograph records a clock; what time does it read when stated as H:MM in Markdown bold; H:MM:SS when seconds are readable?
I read **8:37**
